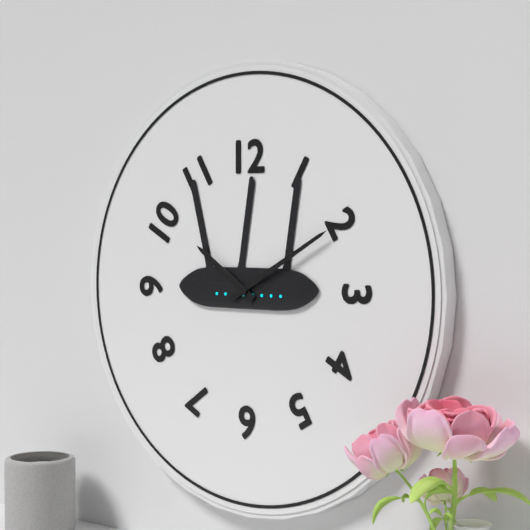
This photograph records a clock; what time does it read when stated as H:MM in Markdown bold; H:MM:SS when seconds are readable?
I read **10:10**
